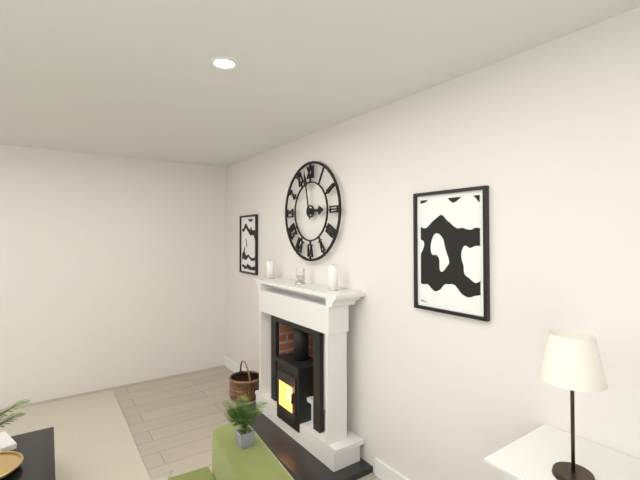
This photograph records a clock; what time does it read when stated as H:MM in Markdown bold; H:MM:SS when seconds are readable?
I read **2:58**
